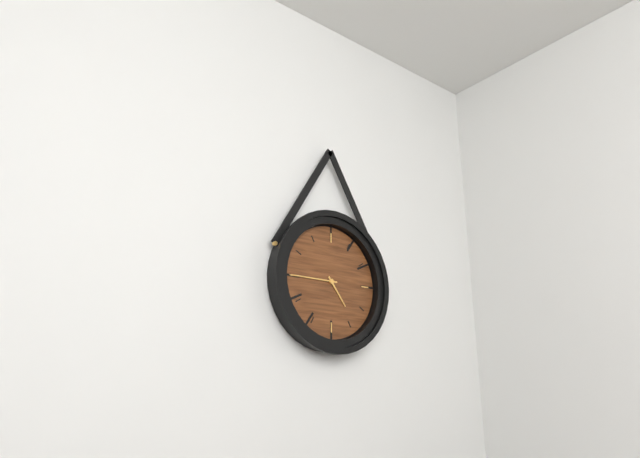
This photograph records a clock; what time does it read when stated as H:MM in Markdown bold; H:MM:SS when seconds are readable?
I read **4:45**
